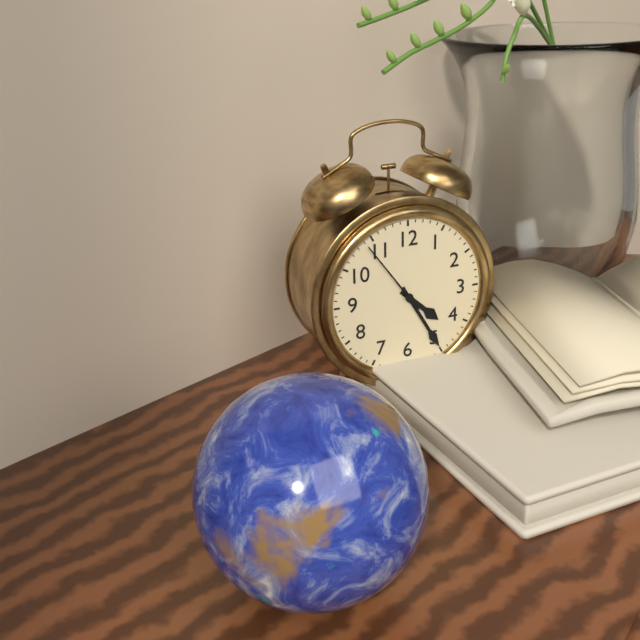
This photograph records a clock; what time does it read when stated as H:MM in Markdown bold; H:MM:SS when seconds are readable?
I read **4:25:54**
